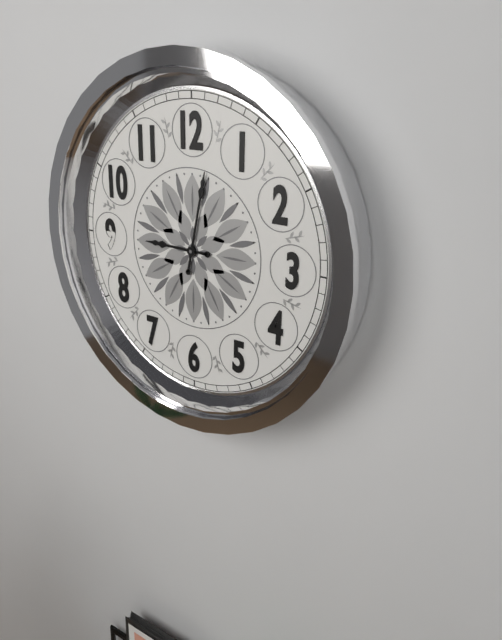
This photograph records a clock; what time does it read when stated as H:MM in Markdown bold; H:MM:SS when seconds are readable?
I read **9:02**
